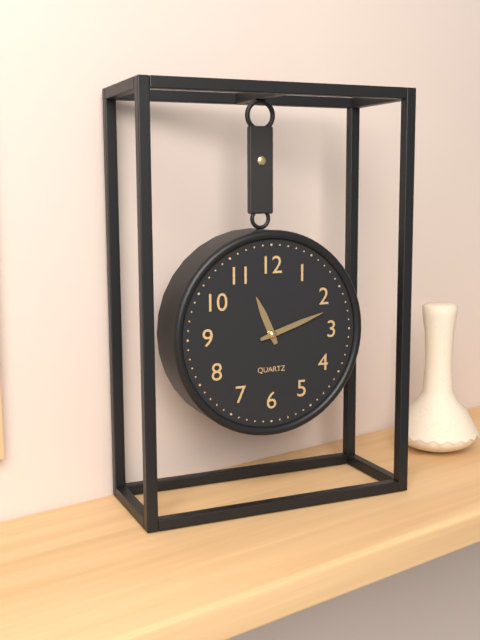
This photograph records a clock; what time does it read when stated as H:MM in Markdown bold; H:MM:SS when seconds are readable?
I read **11:12**
